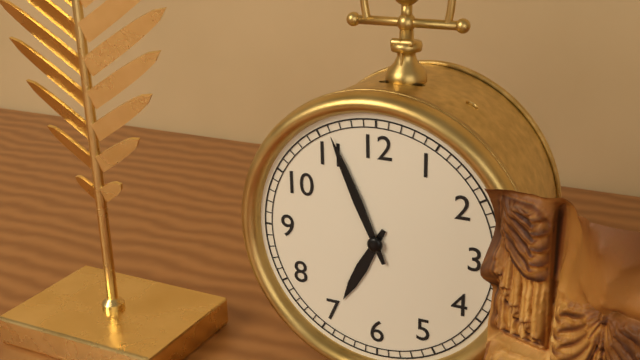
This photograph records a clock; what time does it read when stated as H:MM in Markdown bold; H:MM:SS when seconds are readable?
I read **6:56**
